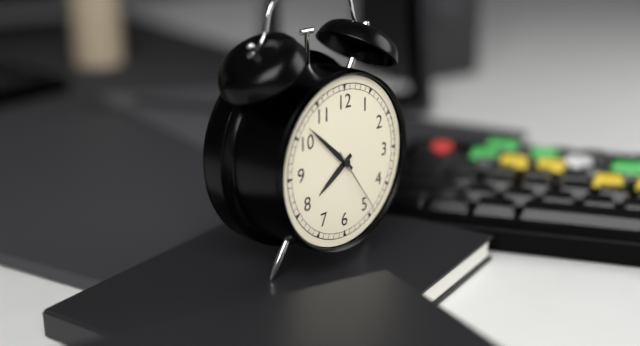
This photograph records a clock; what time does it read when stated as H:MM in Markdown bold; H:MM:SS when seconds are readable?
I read **7:52:24**
